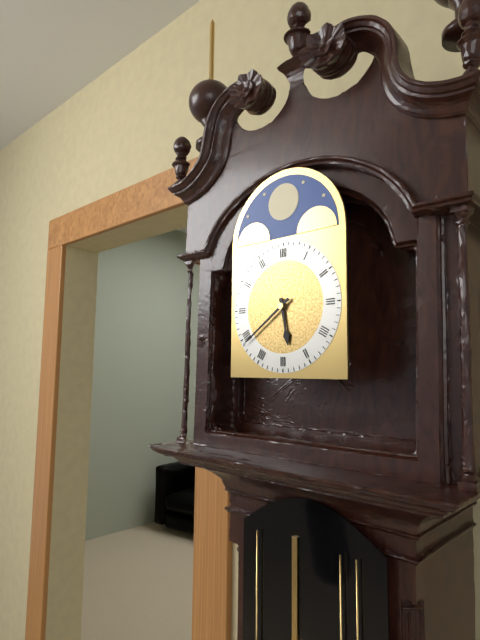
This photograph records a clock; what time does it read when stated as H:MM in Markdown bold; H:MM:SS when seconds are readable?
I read **5:39**
